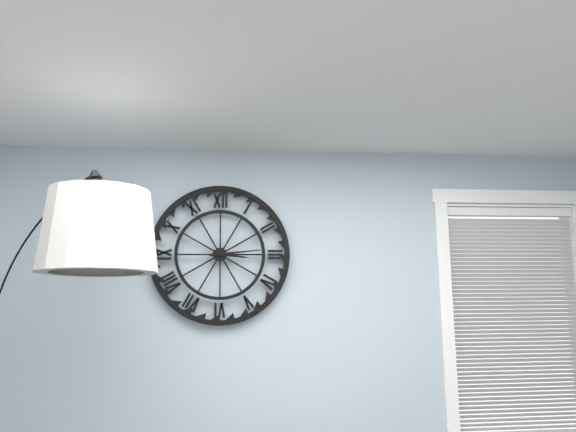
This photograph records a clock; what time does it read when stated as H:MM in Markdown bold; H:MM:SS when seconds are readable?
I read **3:14**
